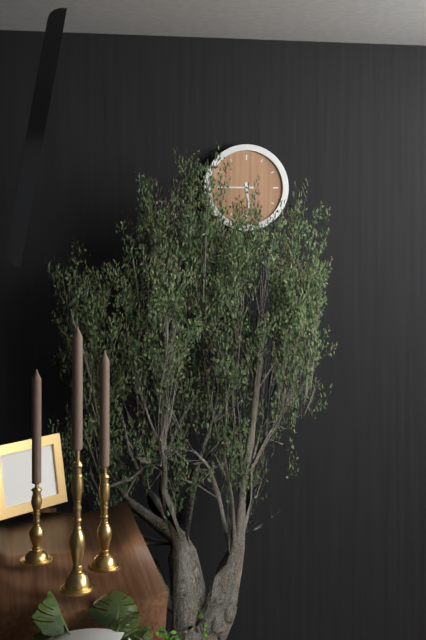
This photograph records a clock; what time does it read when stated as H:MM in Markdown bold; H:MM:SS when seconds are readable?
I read **5:45**
